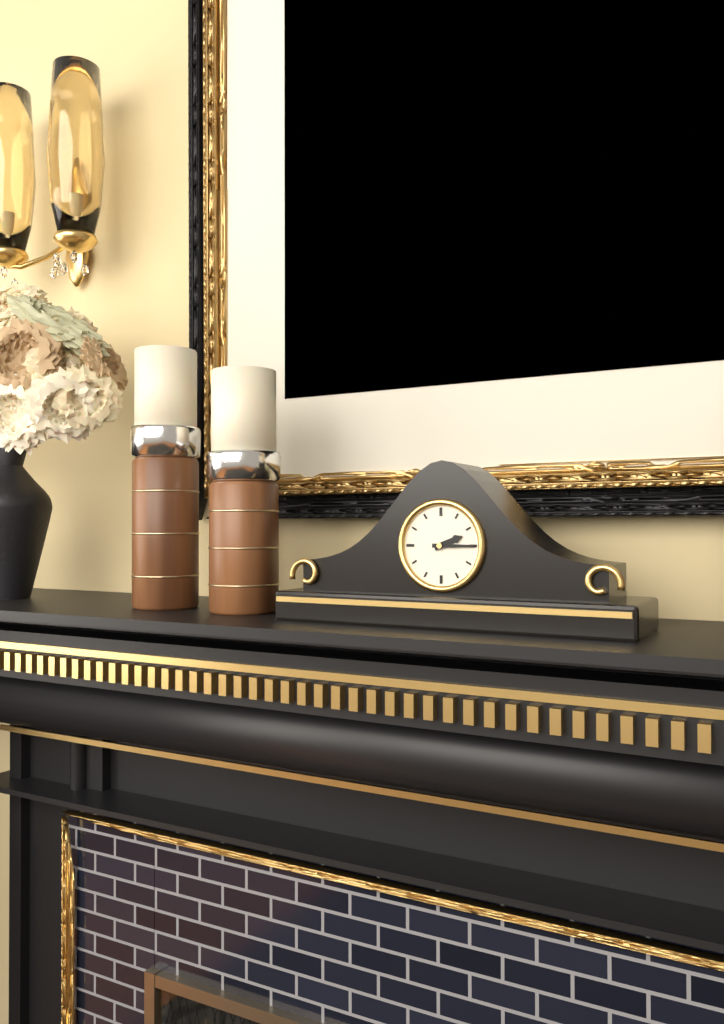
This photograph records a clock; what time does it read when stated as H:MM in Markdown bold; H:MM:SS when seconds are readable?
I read **2:15**
